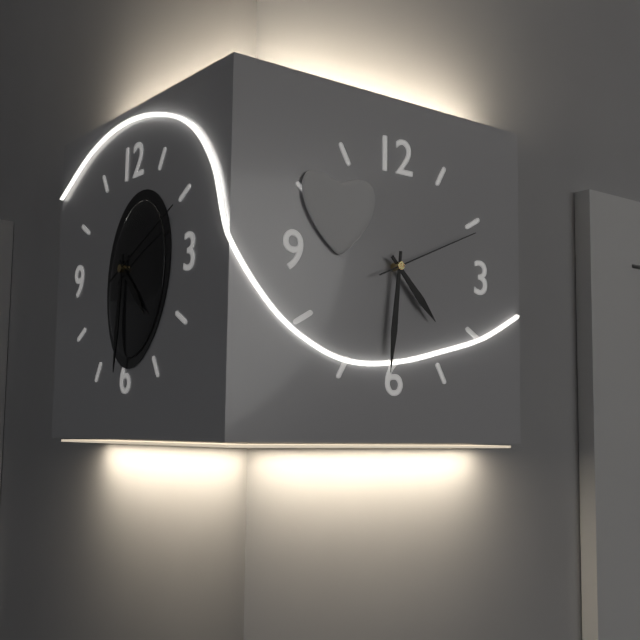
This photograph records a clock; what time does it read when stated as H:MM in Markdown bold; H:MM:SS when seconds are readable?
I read **4:31:11**
